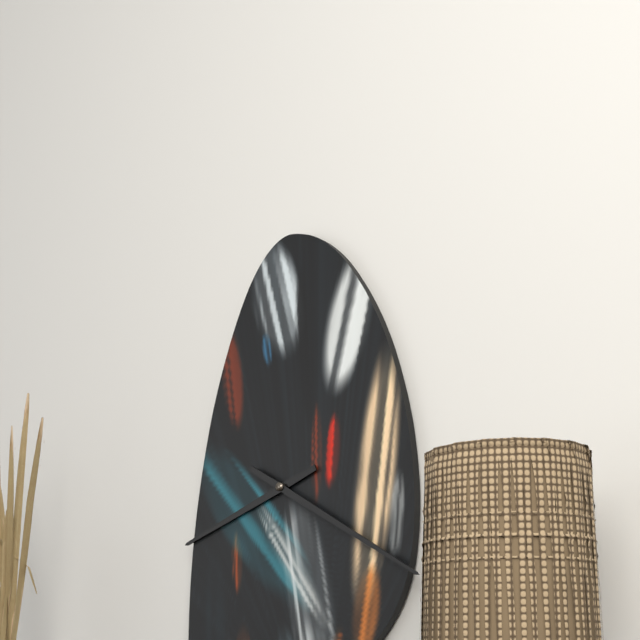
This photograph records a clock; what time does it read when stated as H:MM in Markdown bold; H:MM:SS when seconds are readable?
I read **8:20**
